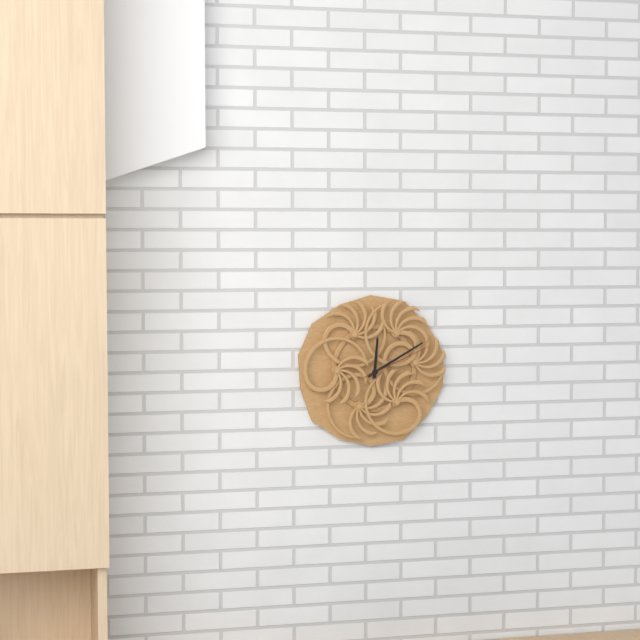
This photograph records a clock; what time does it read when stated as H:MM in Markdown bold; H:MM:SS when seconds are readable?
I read **12:10:11**
